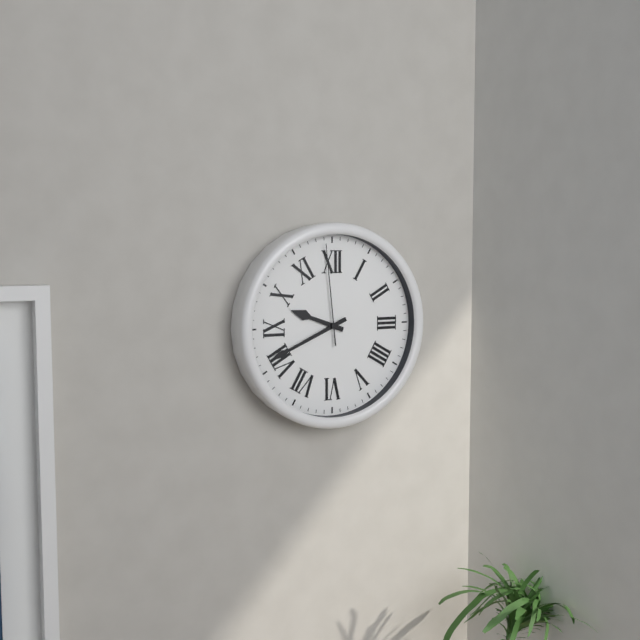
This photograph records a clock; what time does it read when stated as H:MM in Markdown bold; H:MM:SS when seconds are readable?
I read **9:41:59**
